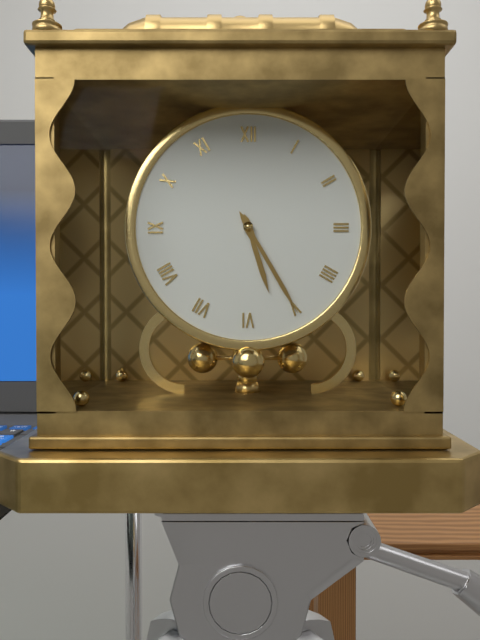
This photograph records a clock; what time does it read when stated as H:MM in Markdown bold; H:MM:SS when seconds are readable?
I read **5:25**
